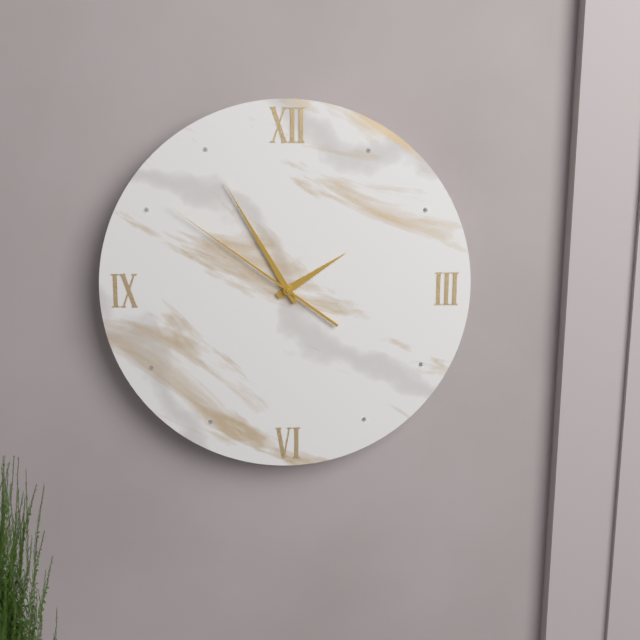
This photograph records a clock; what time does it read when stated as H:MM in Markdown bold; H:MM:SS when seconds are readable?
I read **1:55:51**
